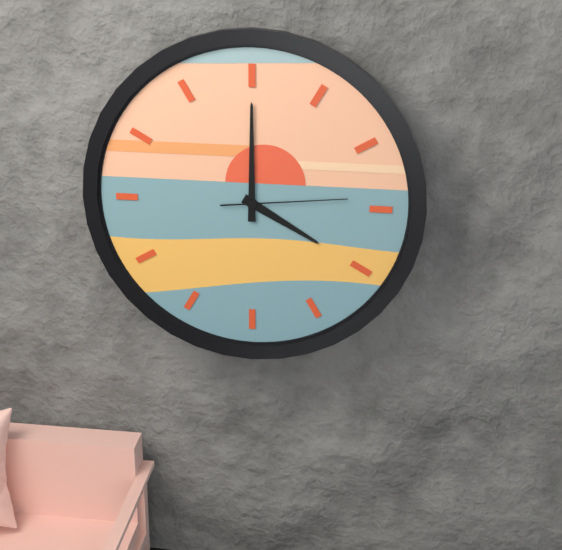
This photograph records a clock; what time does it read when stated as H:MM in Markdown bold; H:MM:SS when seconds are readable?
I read **4:00:14**
